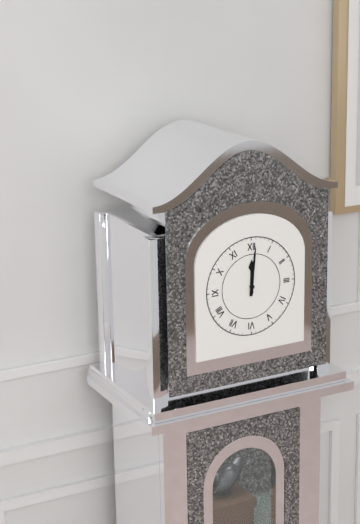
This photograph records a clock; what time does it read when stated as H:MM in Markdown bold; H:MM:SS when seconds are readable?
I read **12:01**
